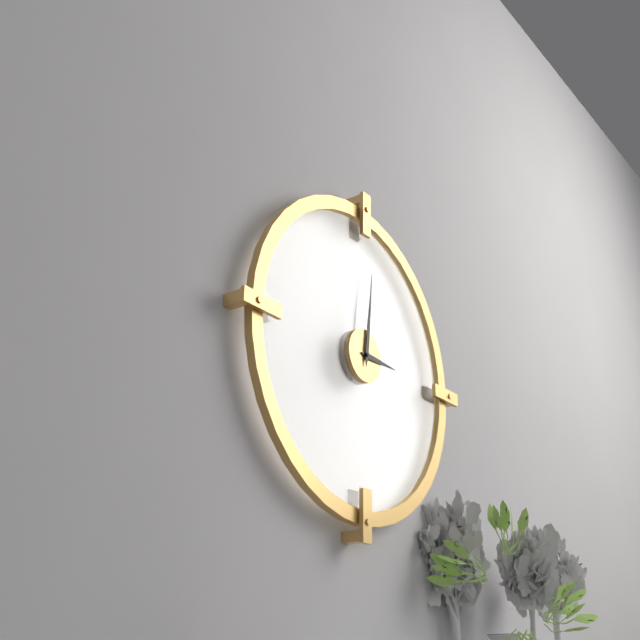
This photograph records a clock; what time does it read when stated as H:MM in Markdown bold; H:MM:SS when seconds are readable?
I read **3:01**
